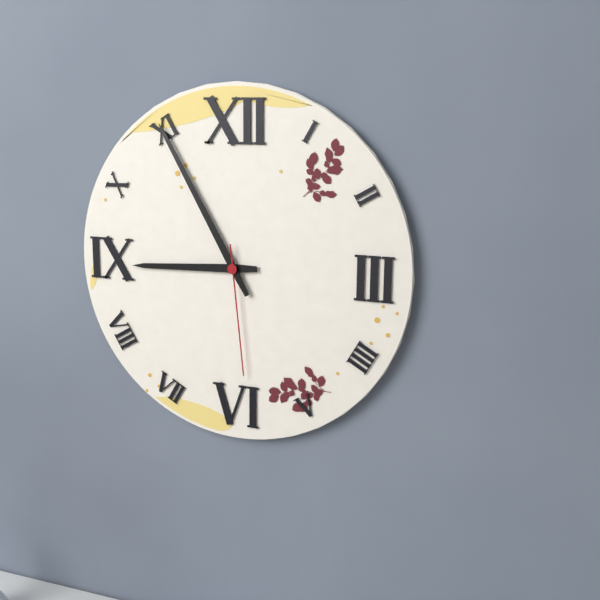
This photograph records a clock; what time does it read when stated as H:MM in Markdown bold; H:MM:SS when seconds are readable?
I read **8:55:29**
